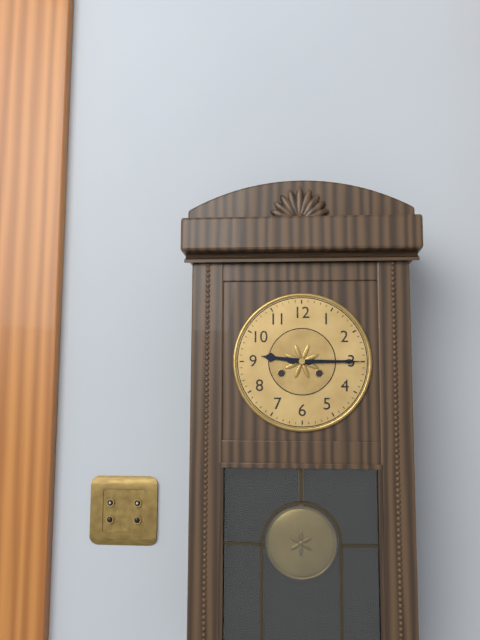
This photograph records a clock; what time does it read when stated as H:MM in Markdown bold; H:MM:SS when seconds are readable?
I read **9:15**
